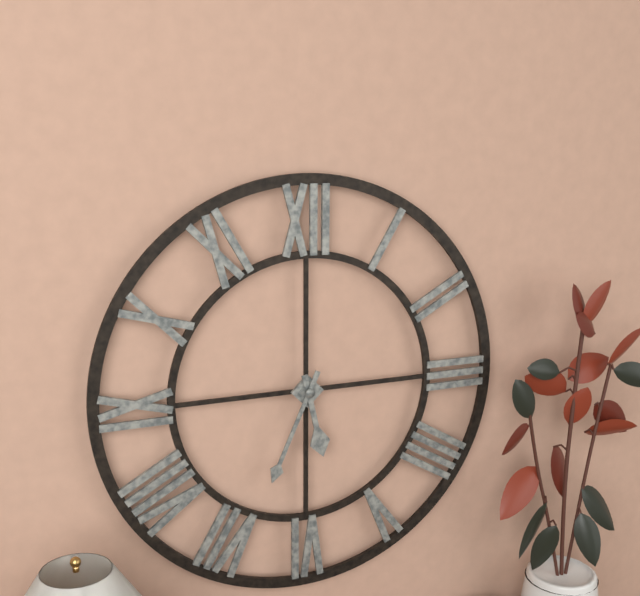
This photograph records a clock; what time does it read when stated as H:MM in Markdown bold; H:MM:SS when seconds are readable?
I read **5:34**
